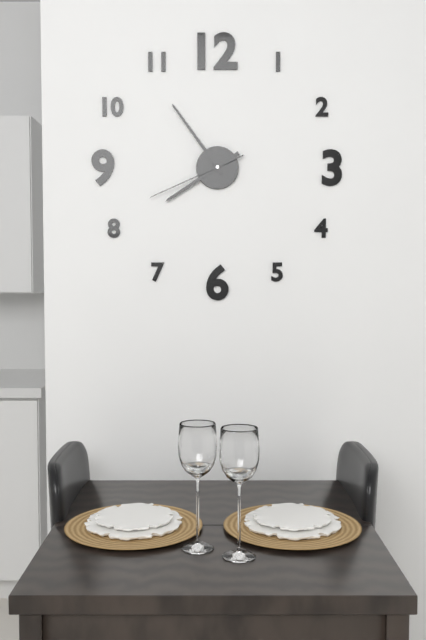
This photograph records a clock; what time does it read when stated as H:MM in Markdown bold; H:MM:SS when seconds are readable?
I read **7:54:41**
